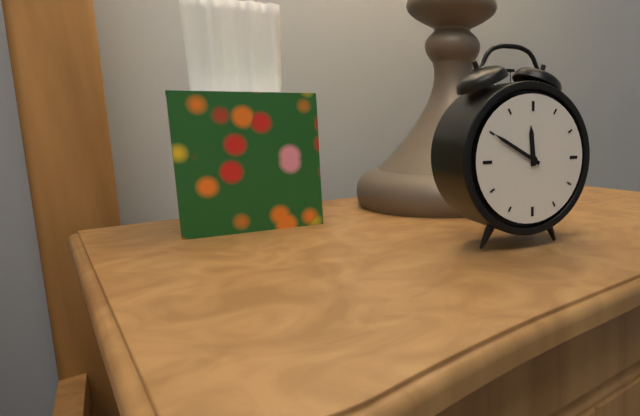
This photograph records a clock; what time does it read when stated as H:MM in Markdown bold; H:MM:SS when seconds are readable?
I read **11:50**
